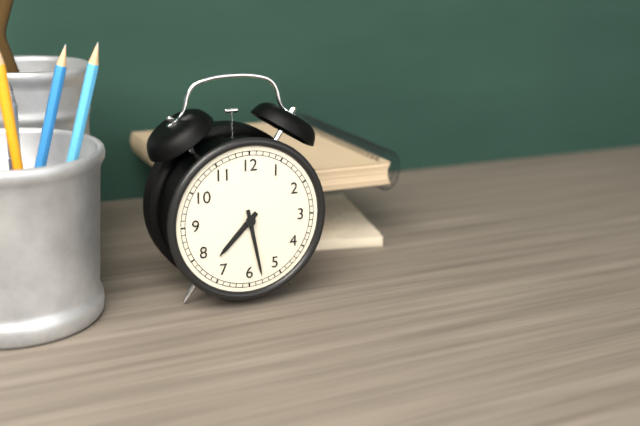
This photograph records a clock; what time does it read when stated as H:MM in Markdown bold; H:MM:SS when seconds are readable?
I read **7:28**
